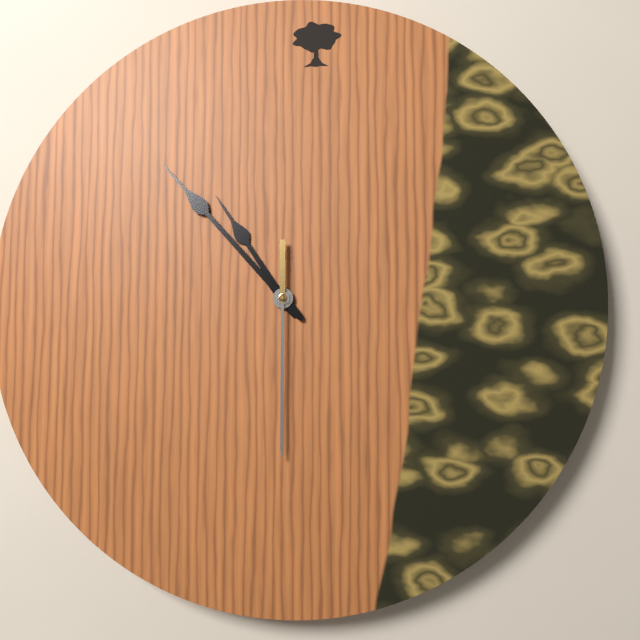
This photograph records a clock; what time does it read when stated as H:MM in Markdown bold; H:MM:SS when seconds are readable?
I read **10:53:30**
